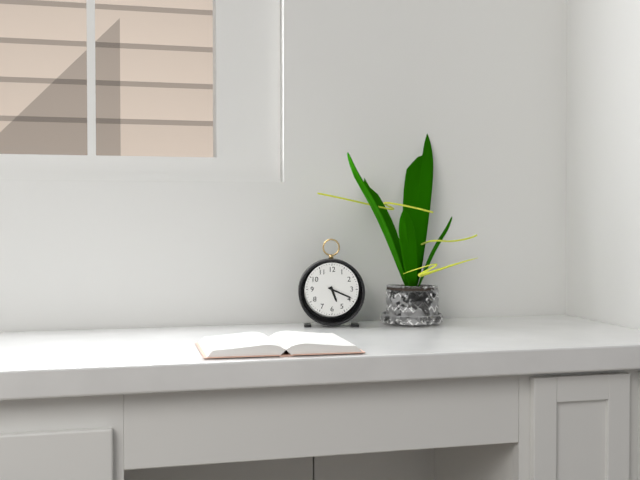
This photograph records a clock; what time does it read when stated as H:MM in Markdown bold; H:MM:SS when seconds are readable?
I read **5:19**
